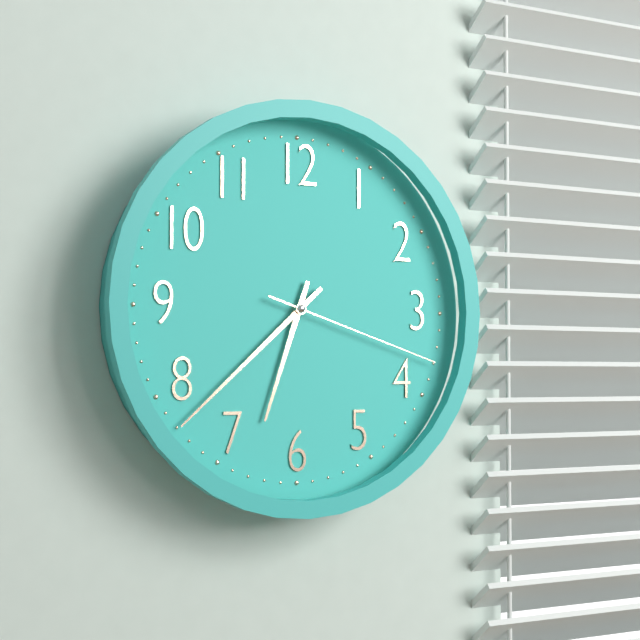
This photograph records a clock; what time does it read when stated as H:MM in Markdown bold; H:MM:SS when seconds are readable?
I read **6:38:18**
